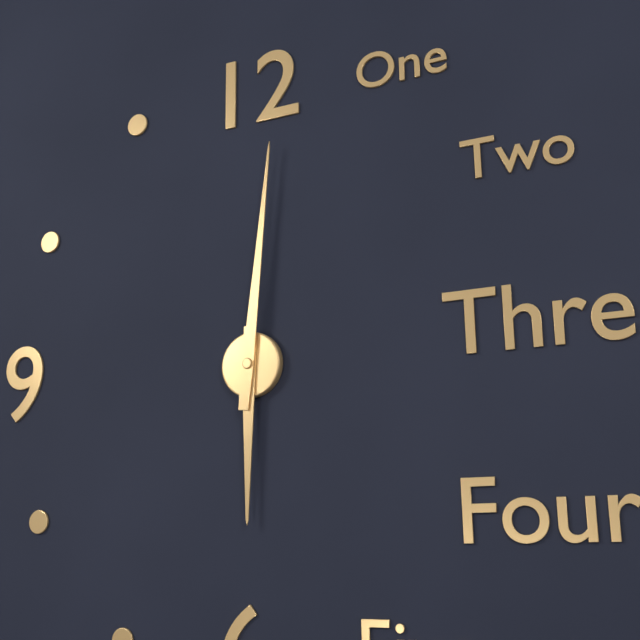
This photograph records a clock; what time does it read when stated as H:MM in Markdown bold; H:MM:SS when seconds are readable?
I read **6:01**
